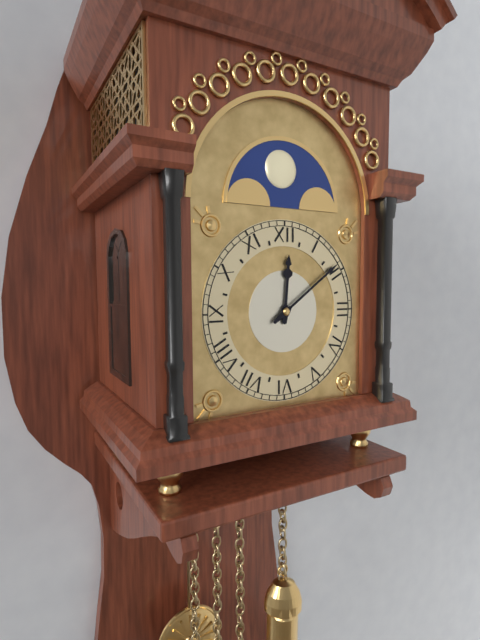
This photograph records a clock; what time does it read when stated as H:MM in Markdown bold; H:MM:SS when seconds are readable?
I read **12:09**
